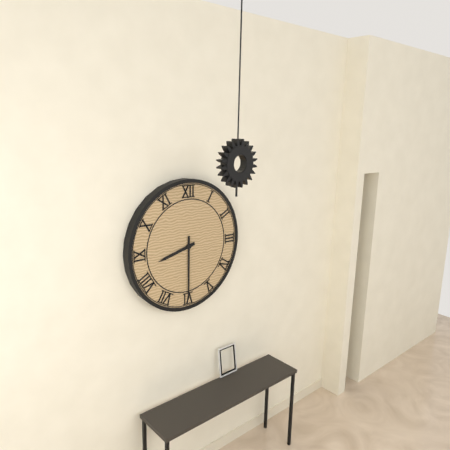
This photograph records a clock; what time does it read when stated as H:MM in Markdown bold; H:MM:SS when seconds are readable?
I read **8:30**
